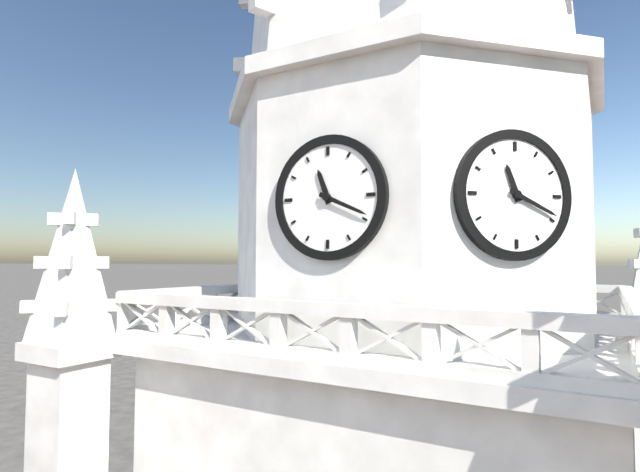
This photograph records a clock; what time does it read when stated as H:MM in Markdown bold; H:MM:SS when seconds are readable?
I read **11:19**
